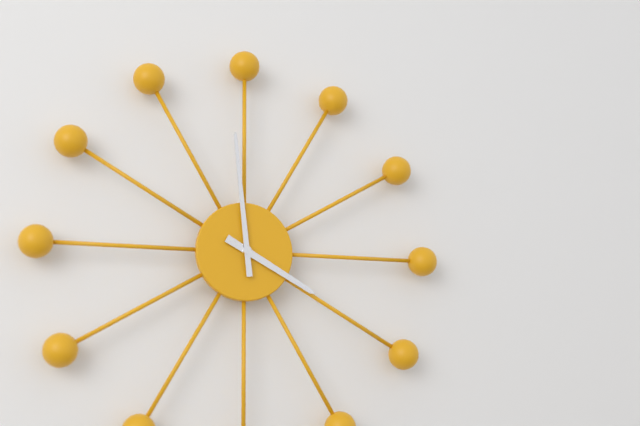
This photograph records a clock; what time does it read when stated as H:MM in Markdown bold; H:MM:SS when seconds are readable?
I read **3:59**
